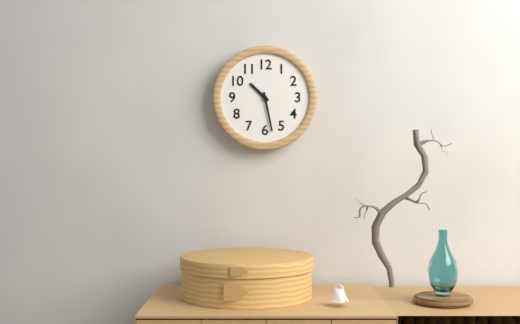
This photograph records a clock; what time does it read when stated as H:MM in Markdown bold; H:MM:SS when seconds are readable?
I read **10:28**
